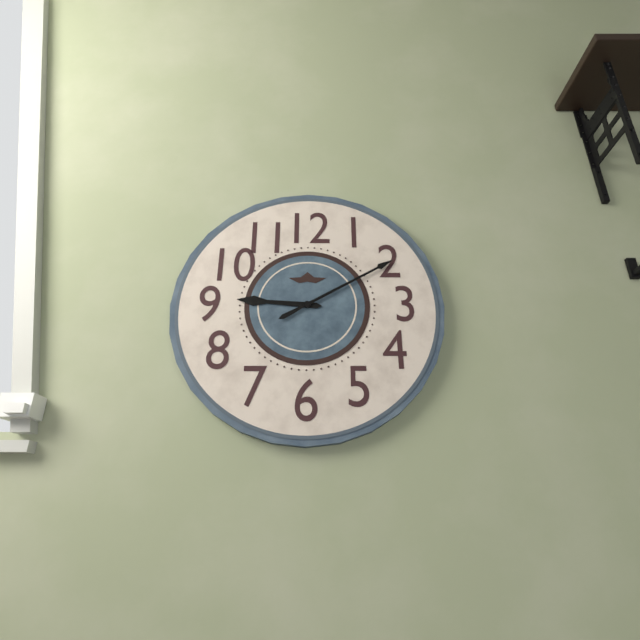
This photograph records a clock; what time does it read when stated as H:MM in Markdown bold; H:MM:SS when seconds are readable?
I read **9:10**
